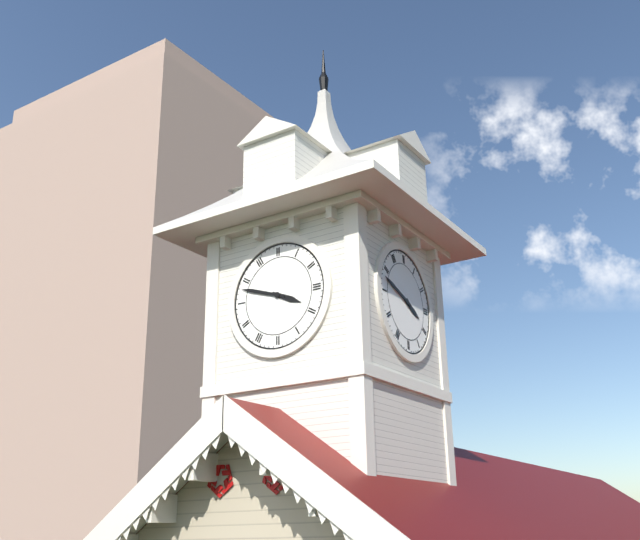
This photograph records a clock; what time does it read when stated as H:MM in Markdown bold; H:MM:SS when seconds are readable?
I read **3:48**
